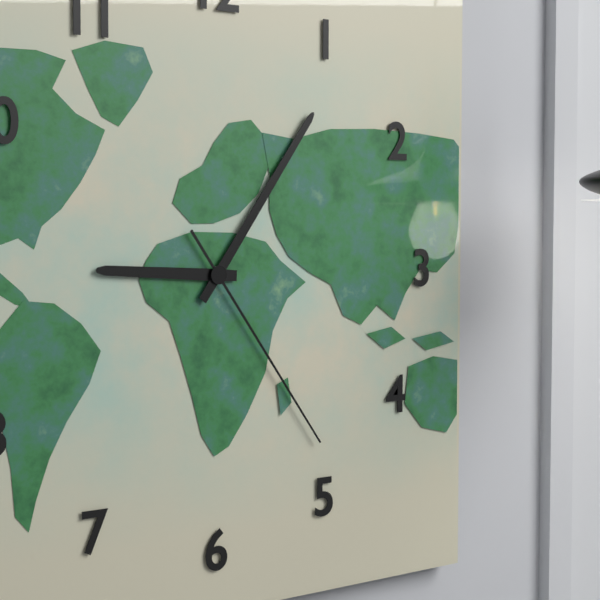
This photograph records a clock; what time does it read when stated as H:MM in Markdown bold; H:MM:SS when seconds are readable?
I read **9:06:24**
